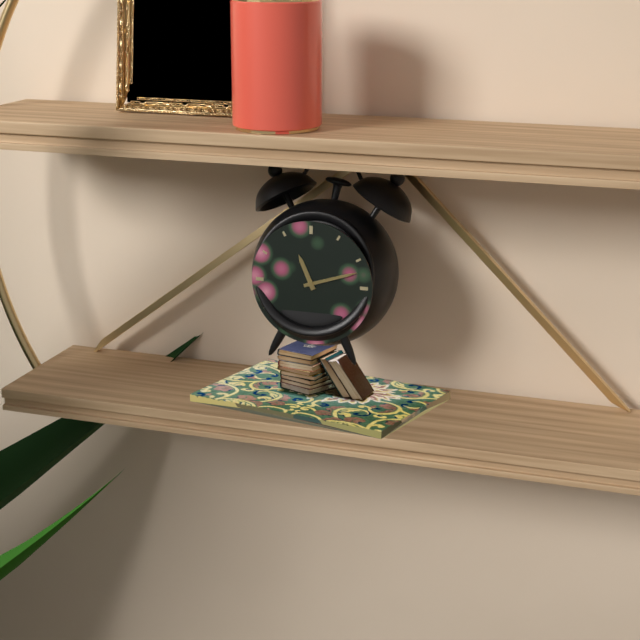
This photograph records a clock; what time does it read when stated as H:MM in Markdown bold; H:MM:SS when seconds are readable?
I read **11:12**
